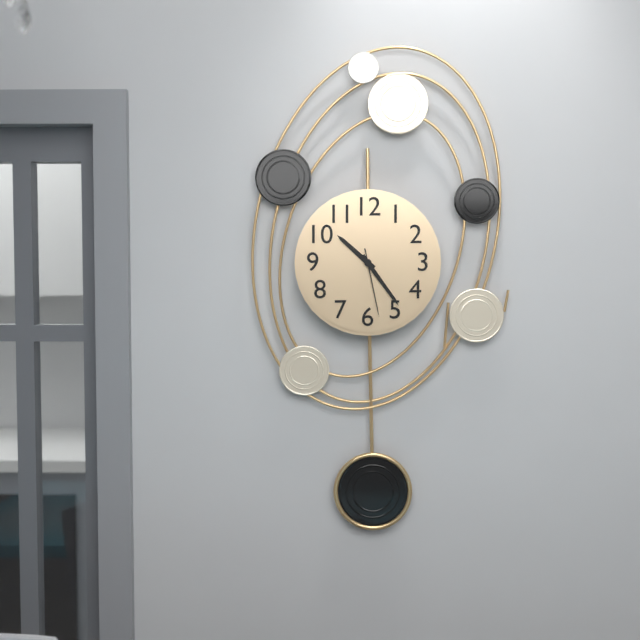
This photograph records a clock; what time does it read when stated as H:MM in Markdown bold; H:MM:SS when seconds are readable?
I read **10:24:28**
